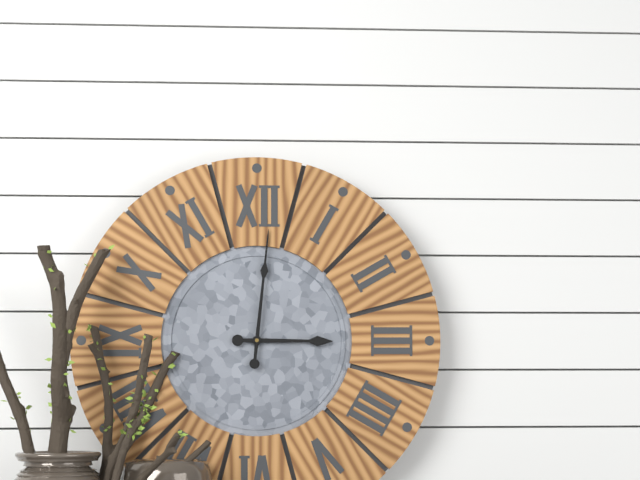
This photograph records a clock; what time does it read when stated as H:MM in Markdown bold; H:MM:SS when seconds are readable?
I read **3:01**
